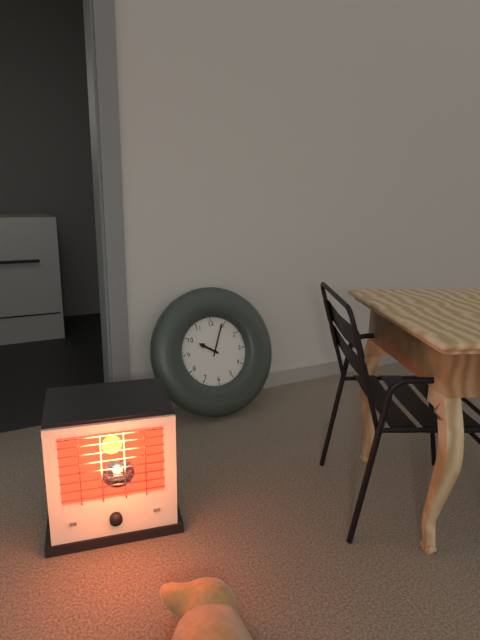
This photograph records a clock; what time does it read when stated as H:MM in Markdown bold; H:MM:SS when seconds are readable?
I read **10:04**
